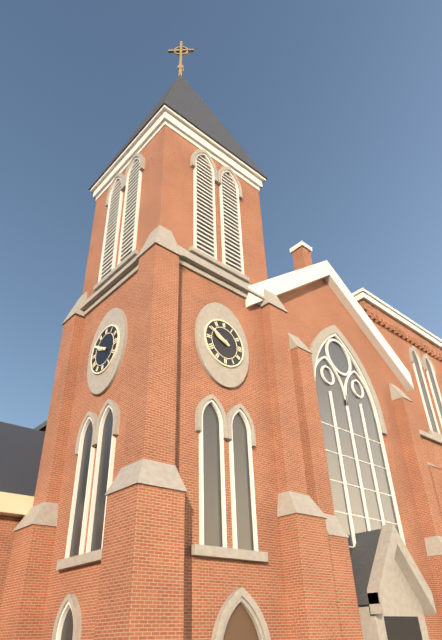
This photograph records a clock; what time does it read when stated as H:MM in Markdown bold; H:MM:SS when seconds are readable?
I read **9:50**
